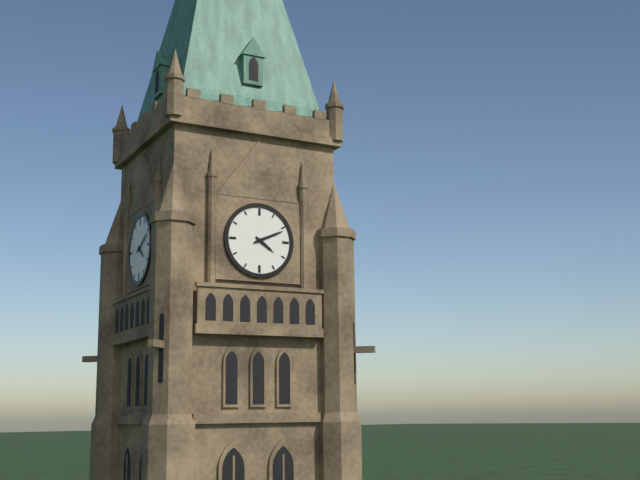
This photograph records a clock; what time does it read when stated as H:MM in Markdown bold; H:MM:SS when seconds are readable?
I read **4:11**
